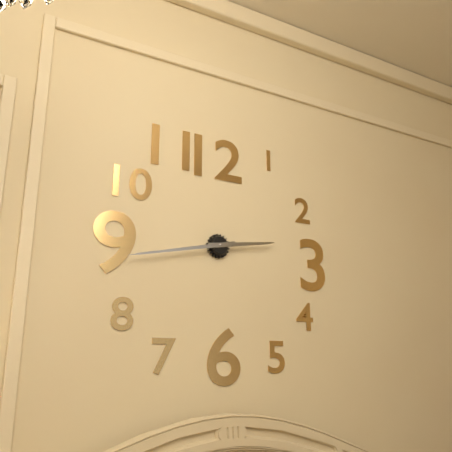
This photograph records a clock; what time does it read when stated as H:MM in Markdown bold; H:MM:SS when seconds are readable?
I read **2:43**
